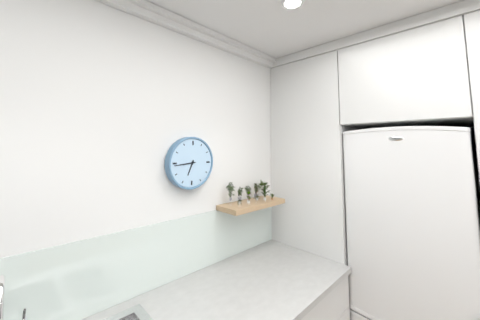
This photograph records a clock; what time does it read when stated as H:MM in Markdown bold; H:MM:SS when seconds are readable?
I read **6:44**
